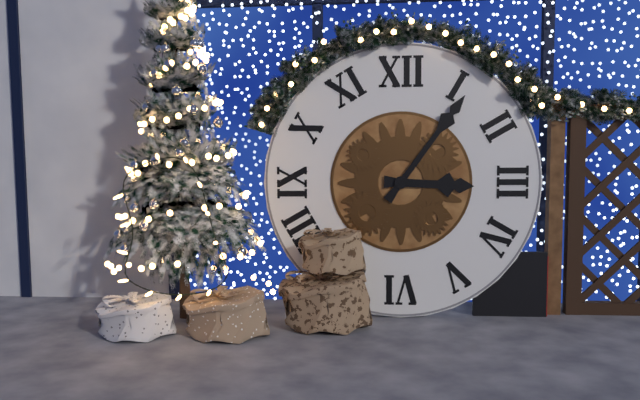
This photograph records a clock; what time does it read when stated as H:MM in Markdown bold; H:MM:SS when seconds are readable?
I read **3:06**
